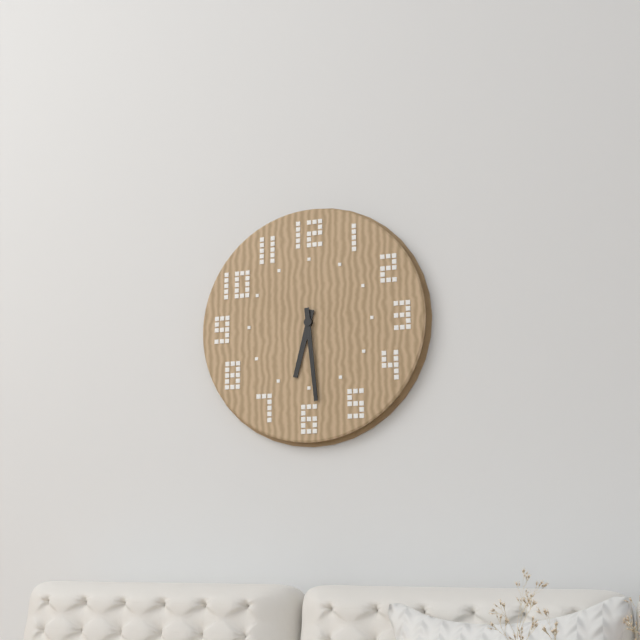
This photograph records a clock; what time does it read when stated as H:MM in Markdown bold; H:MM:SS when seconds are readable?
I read **6:29**
